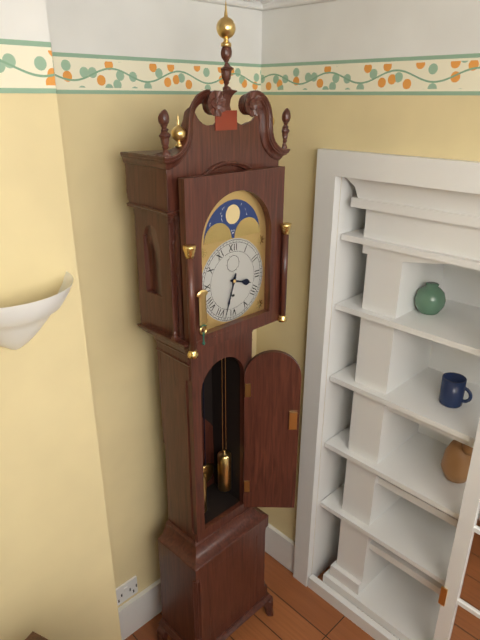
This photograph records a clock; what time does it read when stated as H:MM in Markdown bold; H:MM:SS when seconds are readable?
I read **3:33**
